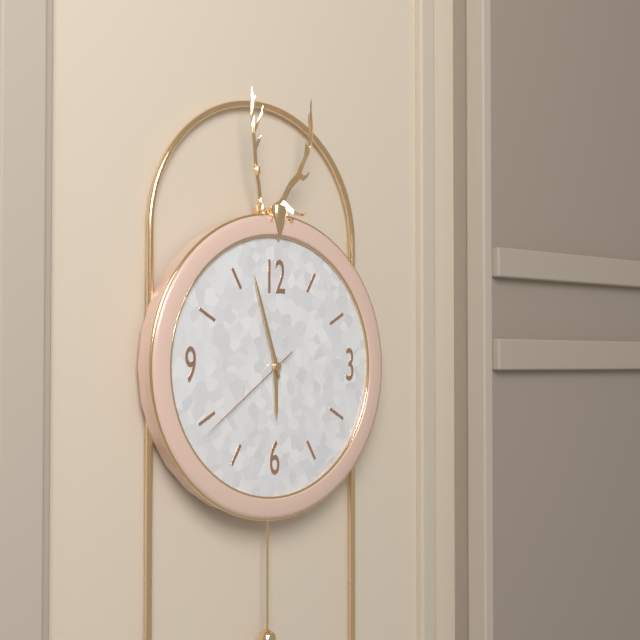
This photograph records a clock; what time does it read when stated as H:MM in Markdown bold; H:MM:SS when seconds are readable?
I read **5:57:39**
